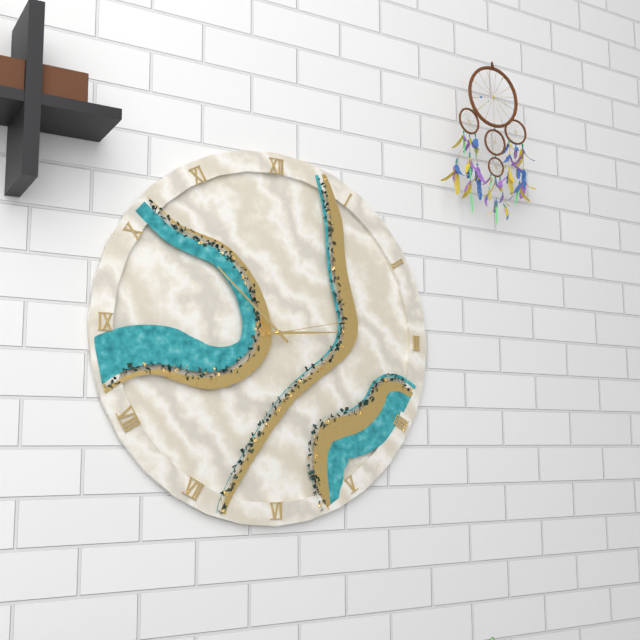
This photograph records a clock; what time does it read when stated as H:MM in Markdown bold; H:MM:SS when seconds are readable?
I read **2:52:13**
